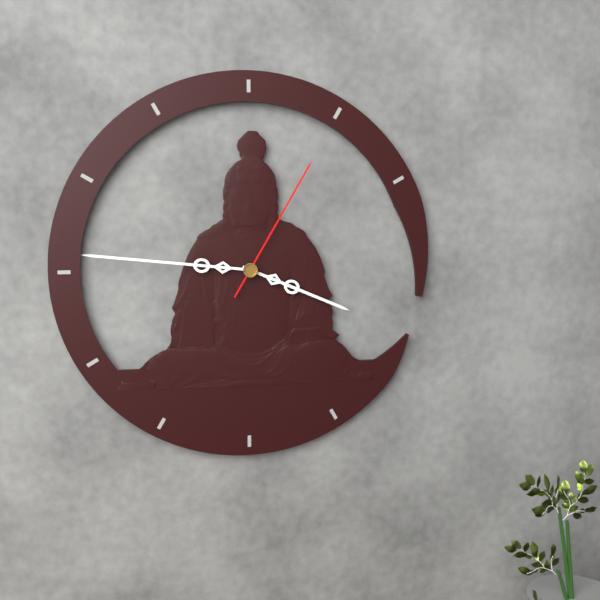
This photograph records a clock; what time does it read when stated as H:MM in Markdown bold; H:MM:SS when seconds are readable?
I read **3:46:05**
